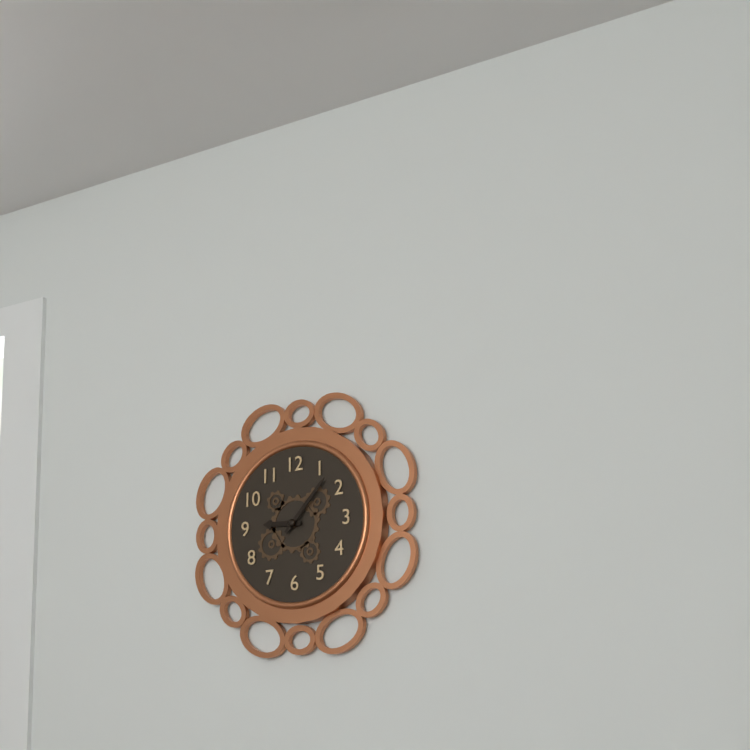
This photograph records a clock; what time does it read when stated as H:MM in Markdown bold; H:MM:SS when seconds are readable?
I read **9:07**
